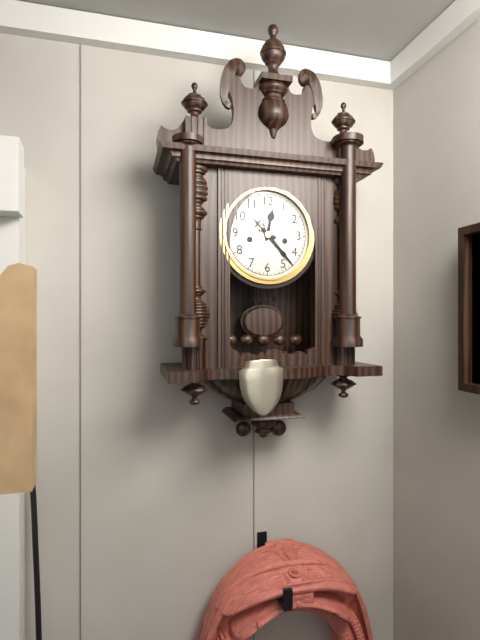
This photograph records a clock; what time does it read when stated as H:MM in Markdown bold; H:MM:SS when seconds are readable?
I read **12:23**
